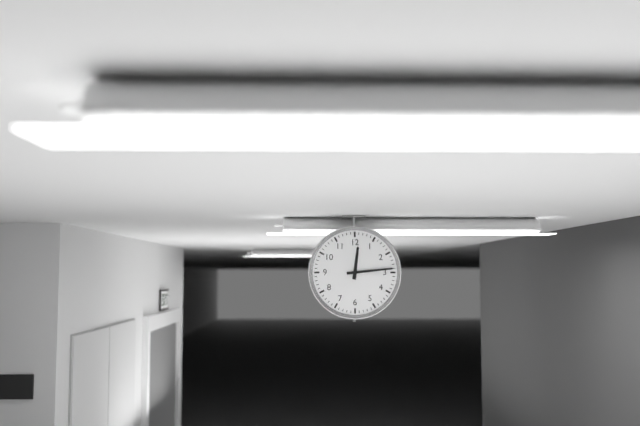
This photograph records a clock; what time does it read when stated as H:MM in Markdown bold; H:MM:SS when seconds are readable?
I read **12:14**
